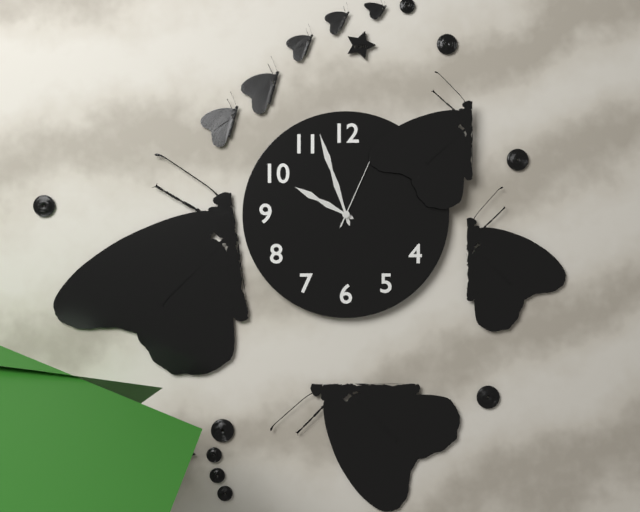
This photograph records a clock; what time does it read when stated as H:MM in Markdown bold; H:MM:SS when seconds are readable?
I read **9:57:04**
